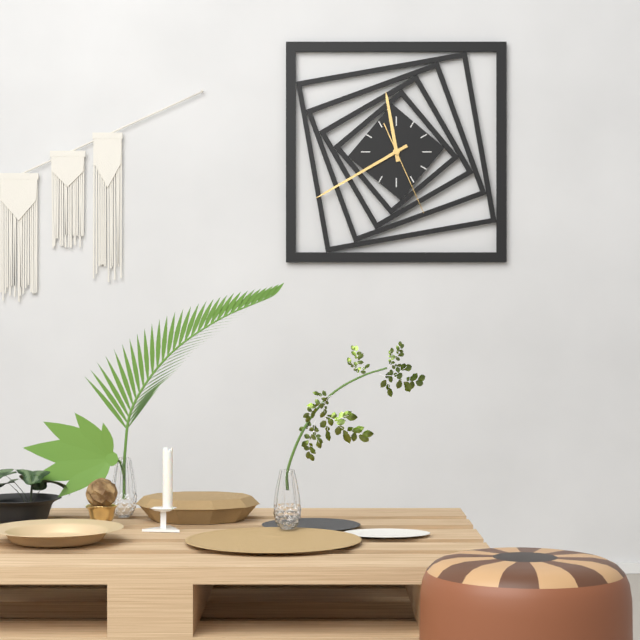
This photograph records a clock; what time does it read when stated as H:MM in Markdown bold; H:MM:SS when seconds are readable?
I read **11:40:26**
